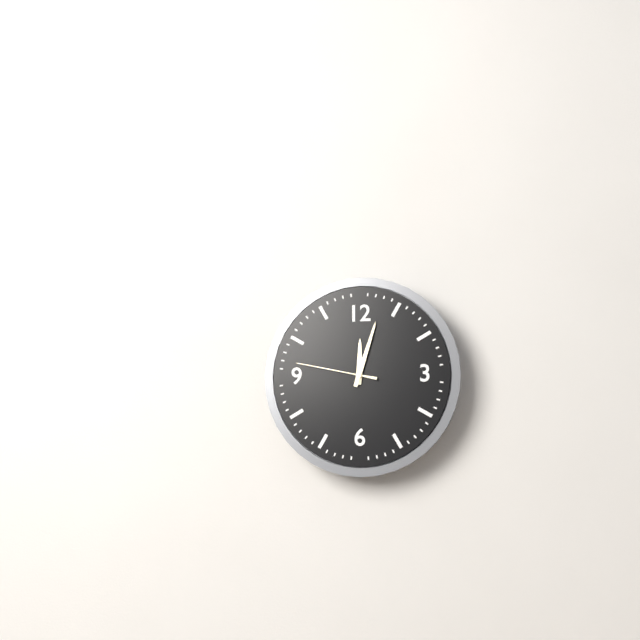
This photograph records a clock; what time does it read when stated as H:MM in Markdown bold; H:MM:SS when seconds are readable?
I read **12:03:47**
